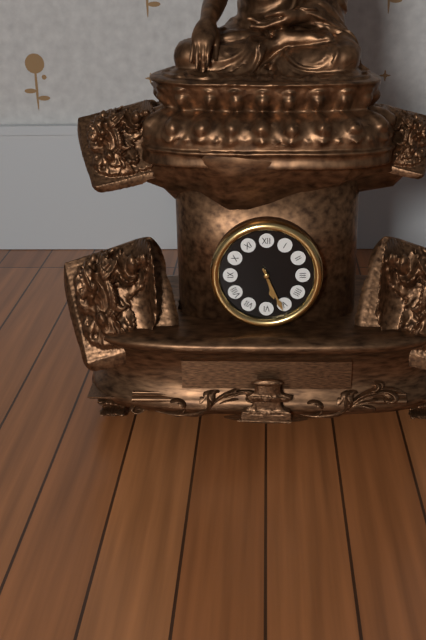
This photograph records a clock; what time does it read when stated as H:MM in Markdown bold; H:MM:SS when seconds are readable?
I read **5:26**
